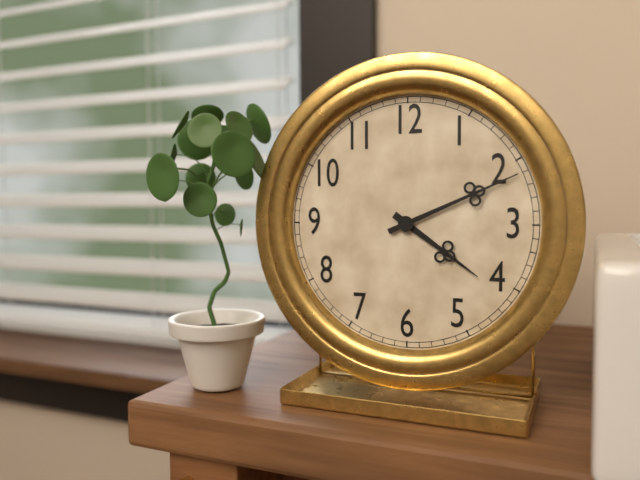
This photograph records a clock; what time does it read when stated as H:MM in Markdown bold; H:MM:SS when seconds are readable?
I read **4:11**
